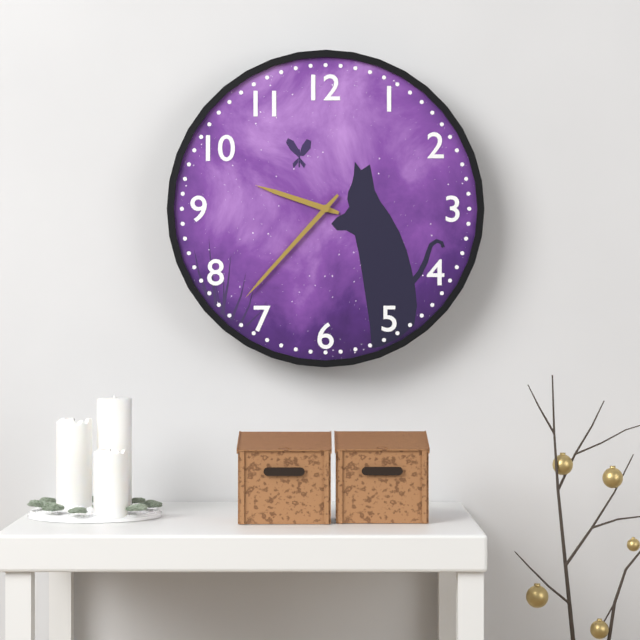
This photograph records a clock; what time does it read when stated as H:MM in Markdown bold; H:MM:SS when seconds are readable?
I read **9:37**
